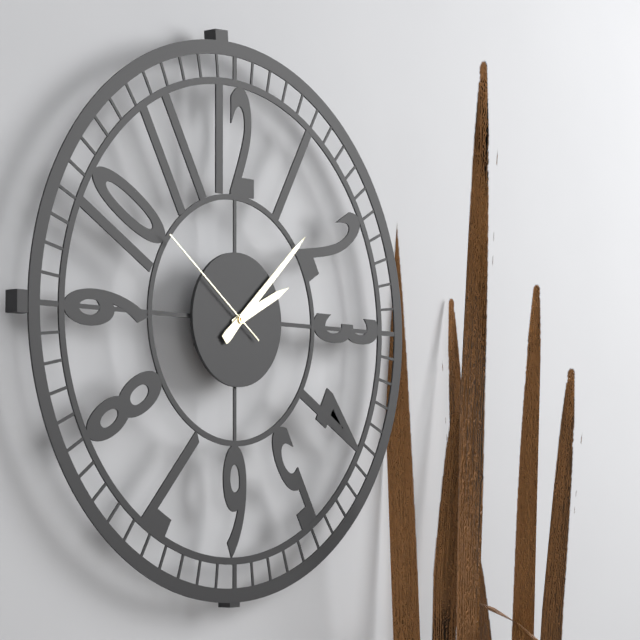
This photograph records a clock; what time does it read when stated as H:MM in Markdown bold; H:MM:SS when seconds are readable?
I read **2:08:51**
